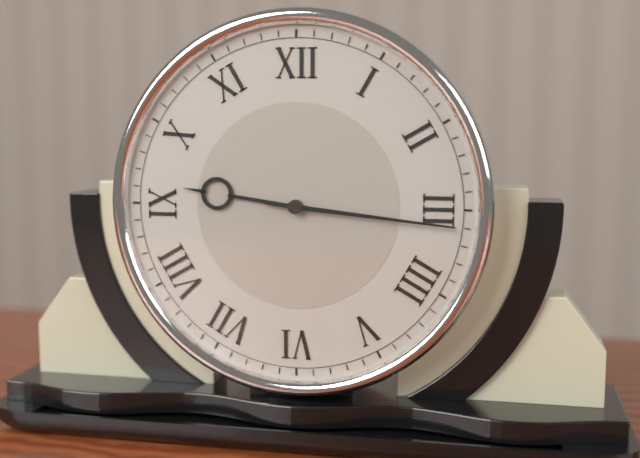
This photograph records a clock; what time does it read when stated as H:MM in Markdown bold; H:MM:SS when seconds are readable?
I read **9:16**
